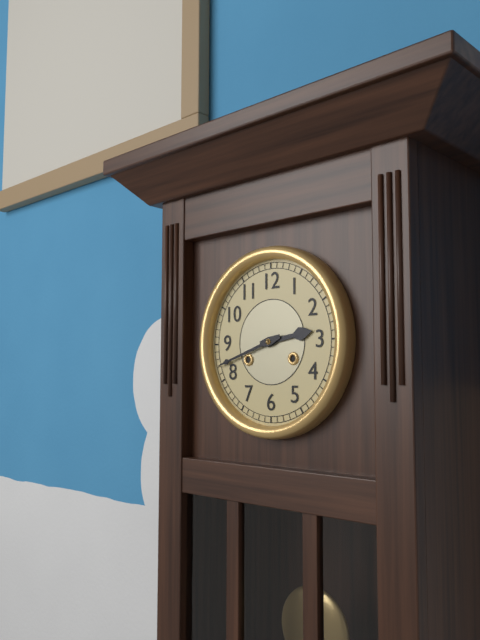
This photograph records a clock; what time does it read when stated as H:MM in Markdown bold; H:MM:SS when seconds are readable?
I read **2:42**
